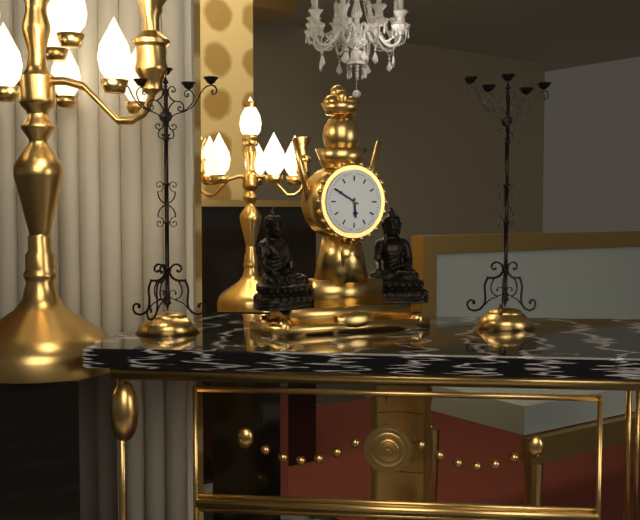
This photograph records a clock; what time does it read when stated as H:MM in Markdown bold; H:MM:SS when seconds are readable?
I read **5:50**
